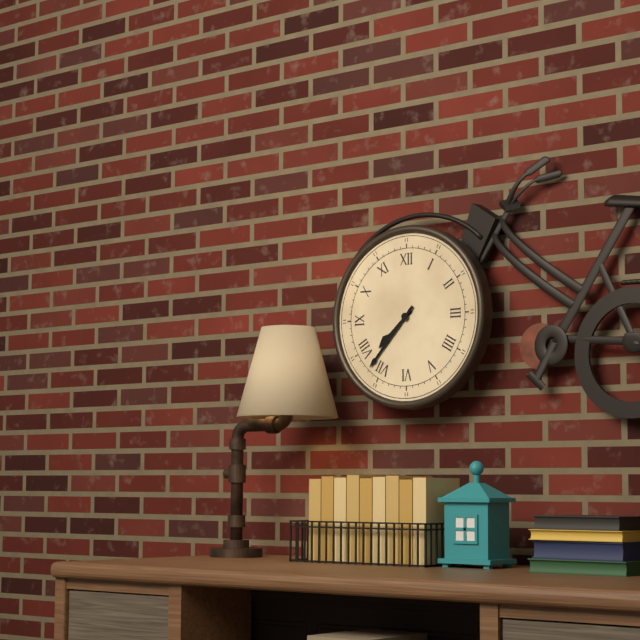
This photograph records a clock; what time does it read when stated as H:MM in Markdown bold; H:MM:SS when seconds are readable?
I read **7:37**
